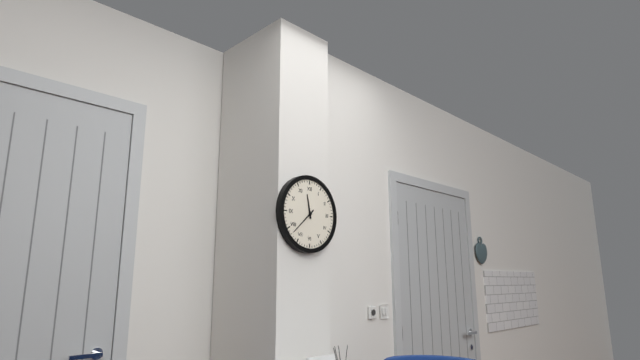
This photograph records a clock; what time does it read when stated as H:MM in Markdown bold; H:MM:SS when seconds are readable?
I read **11:38**
